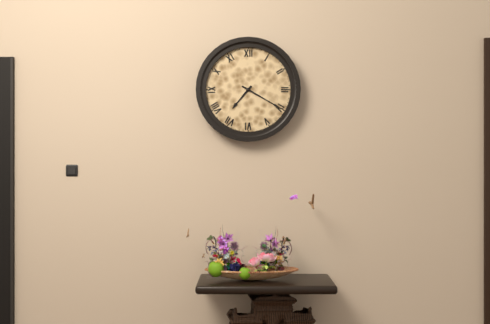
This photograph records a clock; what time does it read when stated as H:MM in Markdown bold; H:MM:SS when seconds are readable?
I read **7:20**
